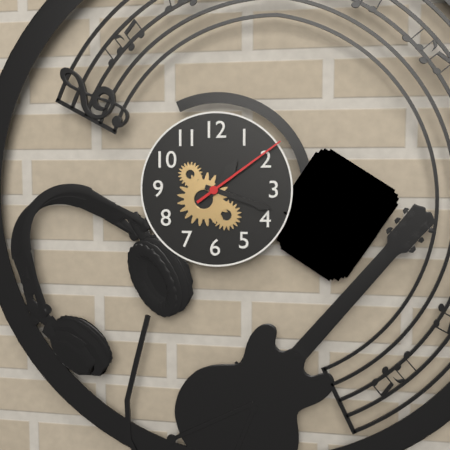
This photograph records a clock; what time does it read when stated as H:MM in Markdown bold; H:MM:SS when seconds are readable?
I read **1:18:09**
